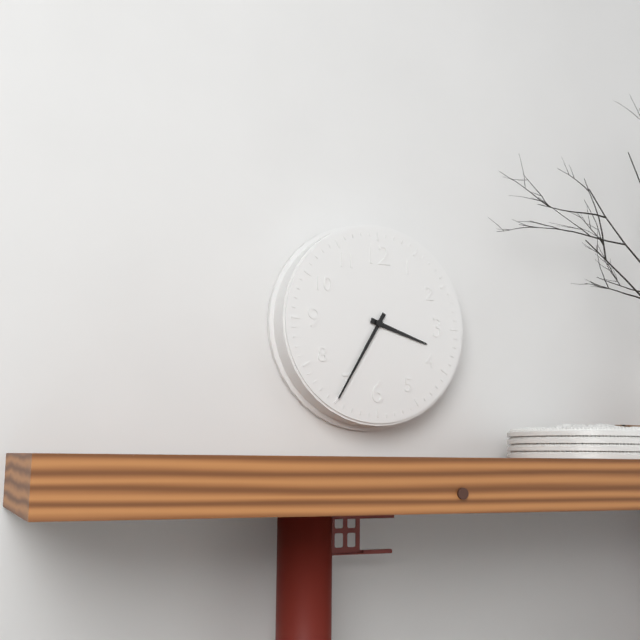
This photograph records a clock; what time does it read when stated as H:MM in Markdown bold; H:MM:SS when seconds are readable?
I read **3:35**
